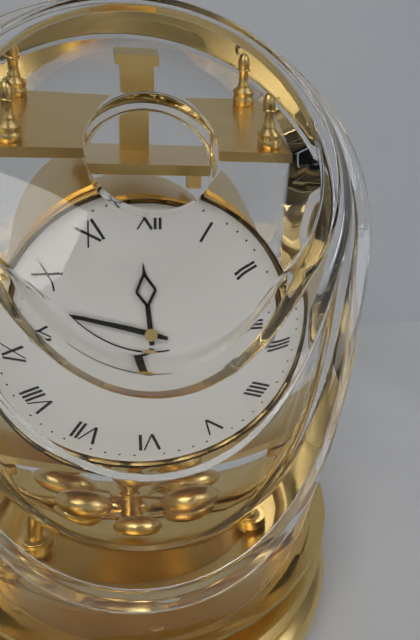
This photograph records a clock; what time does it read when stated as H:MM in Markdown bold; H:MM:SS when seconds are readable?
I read **11:48**
